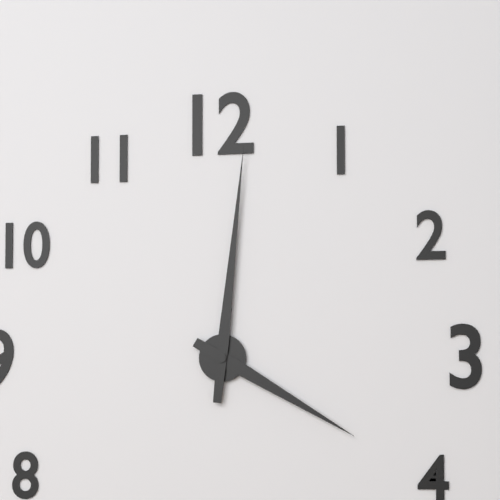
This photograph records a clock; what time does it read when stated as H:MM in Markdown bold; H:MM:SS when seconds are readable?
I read **4:01**
